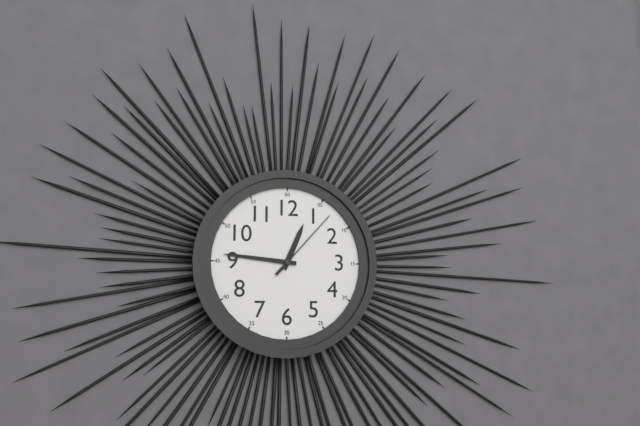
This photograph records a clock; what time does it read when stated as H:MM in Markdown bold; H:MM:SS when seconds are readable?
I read **12:46:07**
